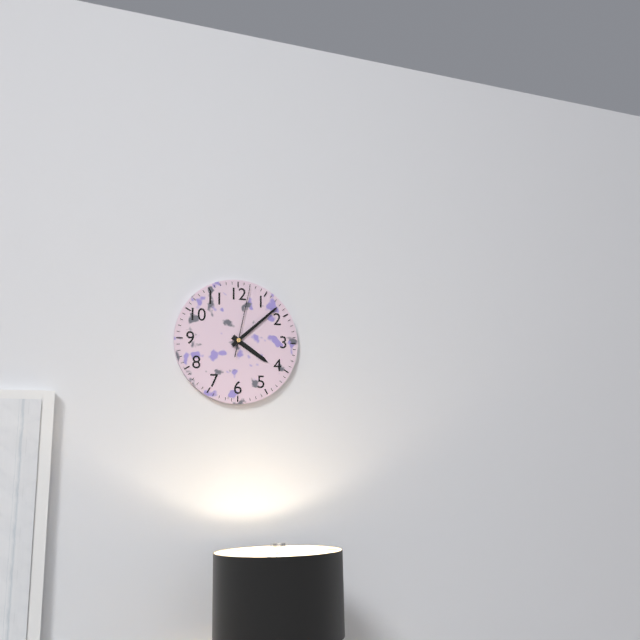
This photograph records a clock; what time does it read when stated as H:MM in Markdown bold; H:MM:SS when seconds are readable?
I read **4:08:02**
